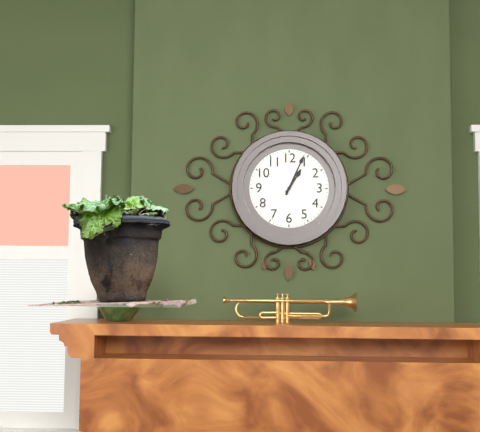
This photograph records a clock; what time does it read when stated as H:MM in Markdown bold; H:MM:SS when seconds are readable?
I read **1:04**
